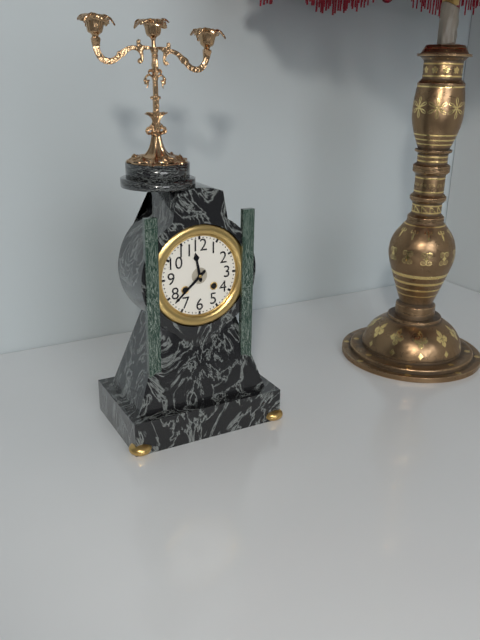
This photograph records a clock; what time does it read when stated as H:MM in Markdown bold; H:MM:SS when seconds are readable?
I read **11:38**
